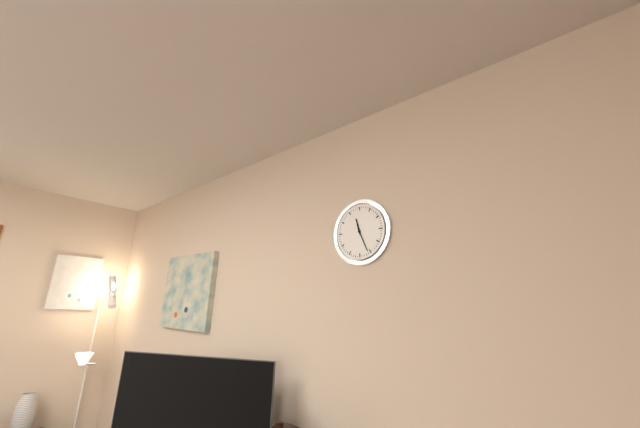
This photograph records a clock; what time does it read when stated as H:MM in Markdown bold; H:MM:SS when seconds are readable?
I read **11:26**
